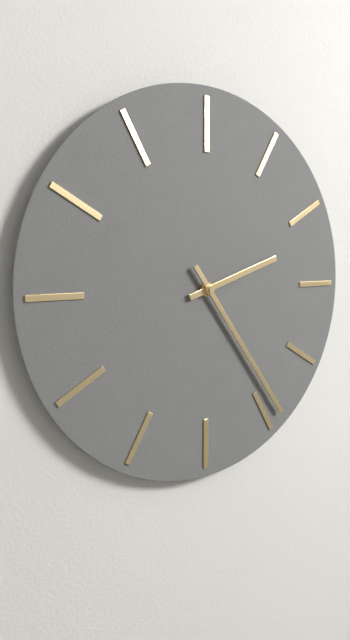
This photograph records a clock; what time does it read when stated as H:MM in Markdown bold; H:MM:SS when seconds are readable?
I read **2:24**
